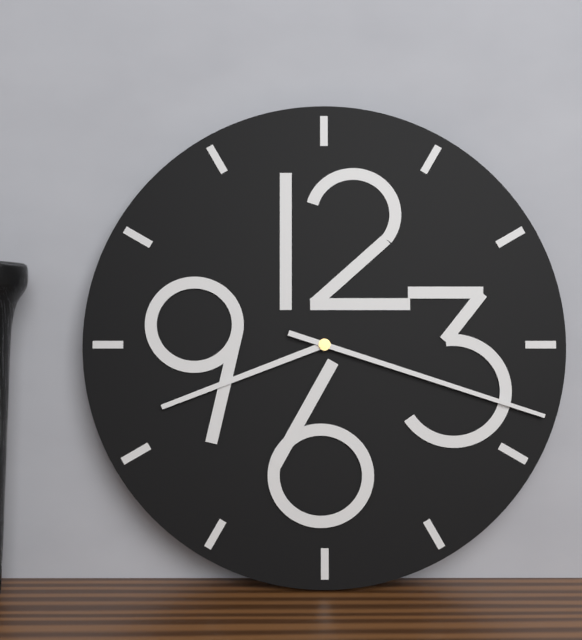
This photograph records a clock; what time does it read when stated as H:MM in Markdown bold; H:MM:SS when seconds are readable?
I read **8:18**
